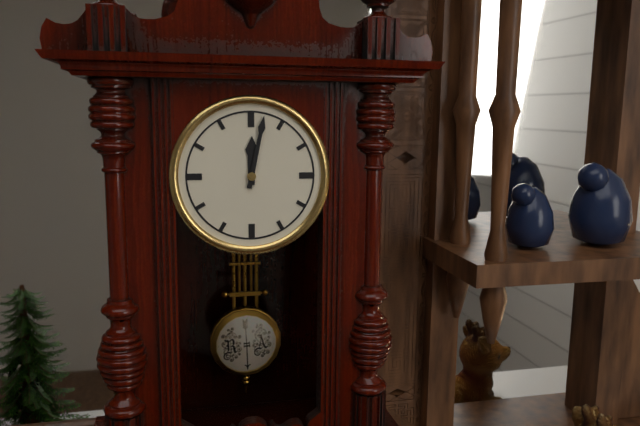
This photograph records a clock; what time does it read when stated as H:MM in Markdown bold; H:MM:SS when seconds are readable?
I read **12:02**
